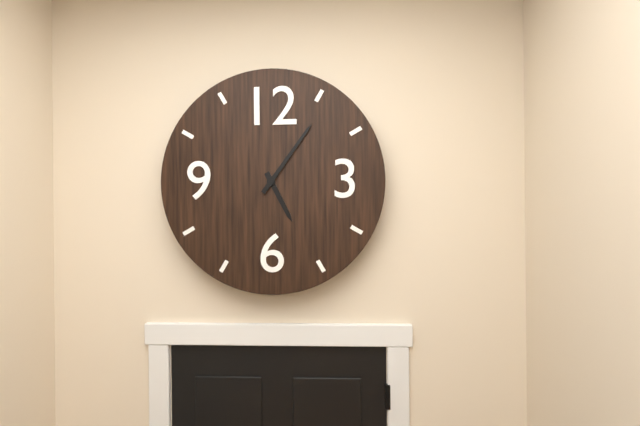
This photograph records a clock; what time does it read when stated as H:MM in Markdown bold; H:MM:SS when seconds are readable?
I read **5:06**
